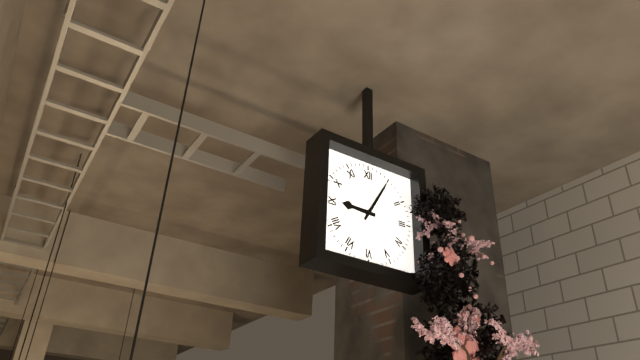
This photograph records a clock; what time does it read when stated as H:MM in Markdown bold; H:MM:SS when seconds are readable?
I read **9:05**
